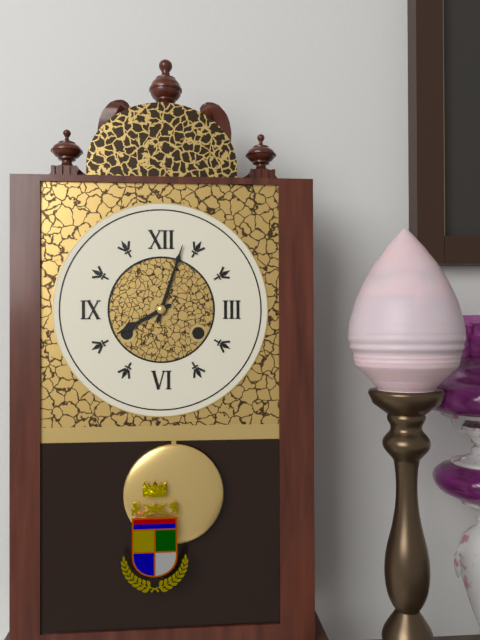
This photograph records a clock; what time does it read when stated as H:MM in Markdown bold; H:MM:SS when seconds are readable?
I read **8:03**
